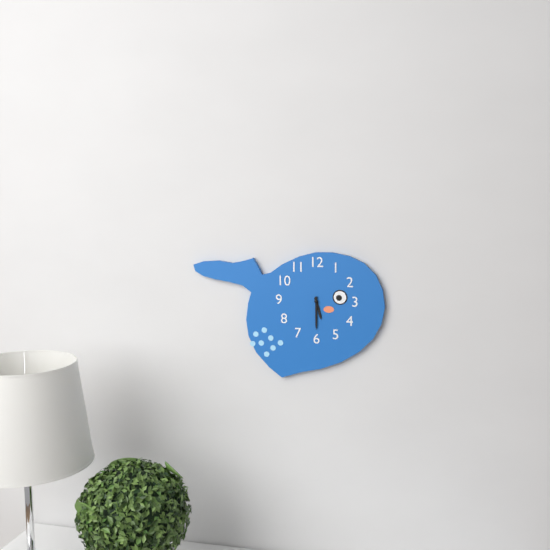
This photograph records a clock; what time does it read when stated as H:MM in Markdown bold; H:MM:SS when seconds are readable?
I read **5:30**
